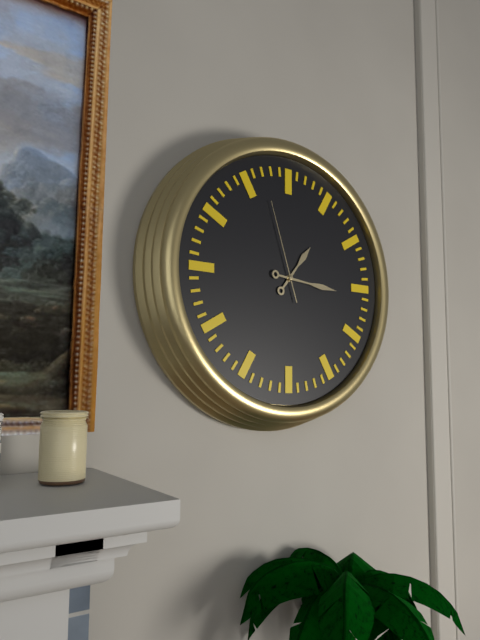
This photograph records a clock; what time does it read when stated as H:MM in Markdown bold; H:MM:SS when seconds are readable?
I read **1:16:57**
